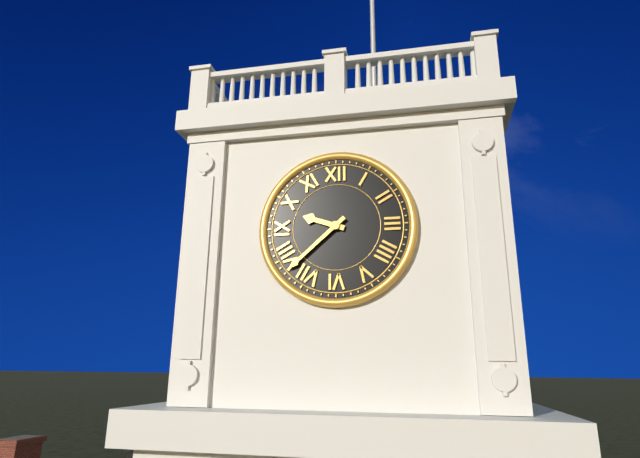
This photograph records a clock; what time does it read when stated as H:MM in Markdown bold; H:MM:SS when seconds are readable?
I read **9:38**
